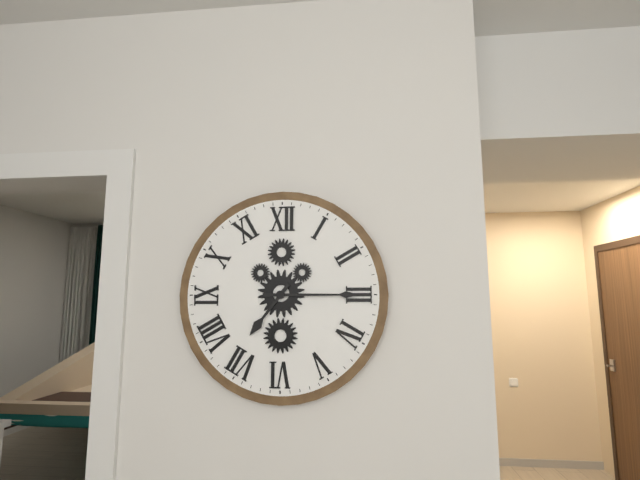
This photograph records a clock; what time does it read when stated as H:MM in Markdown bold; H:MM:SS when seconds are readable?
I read **7:15**
